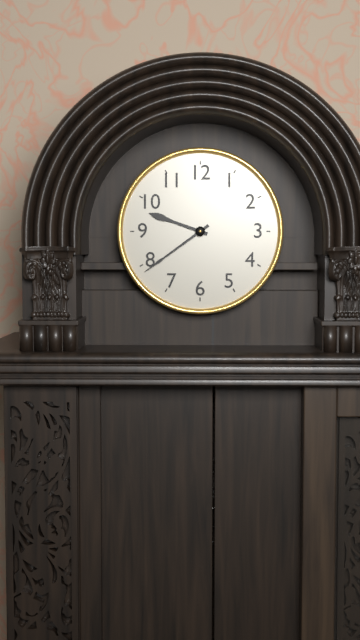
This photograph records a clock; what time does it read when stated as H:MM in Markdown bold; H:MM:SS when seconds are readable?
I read **9:39**
